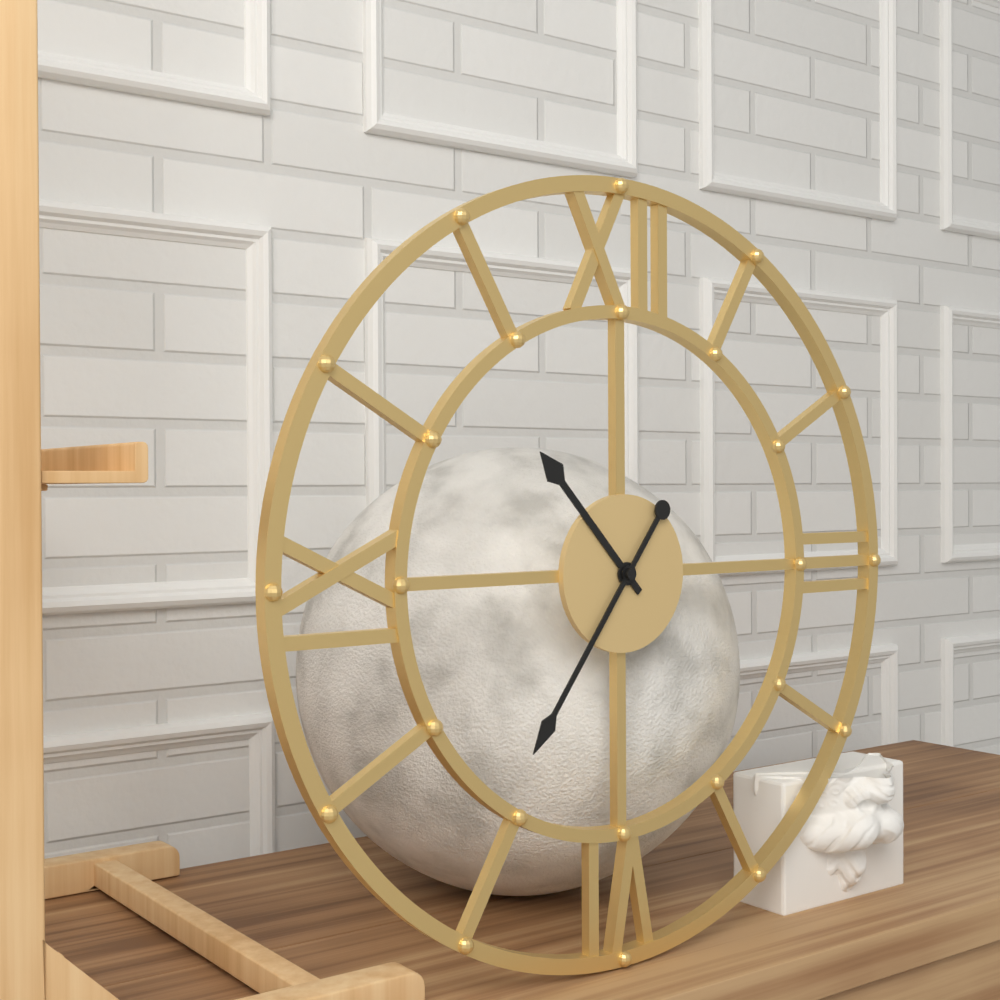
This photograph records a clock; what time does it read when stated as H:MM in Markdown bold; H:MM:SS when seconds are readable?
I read **10:36**
